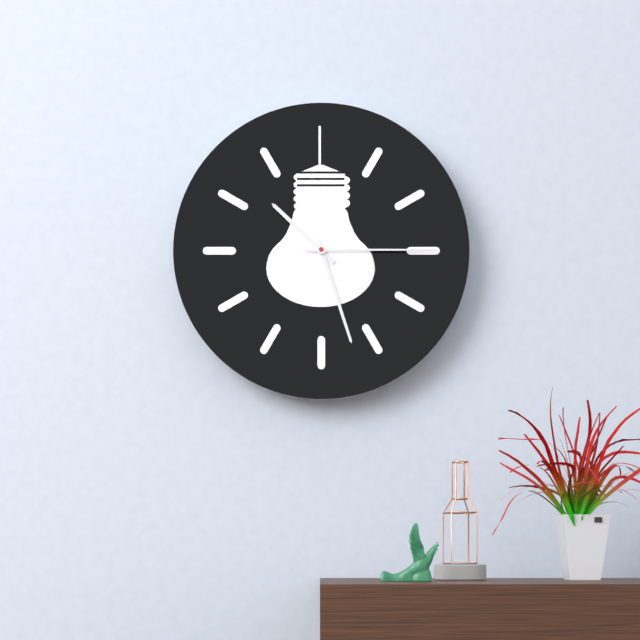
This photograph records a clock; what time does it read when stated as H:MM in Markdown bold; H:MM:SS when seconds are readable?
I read **10:27:15**
